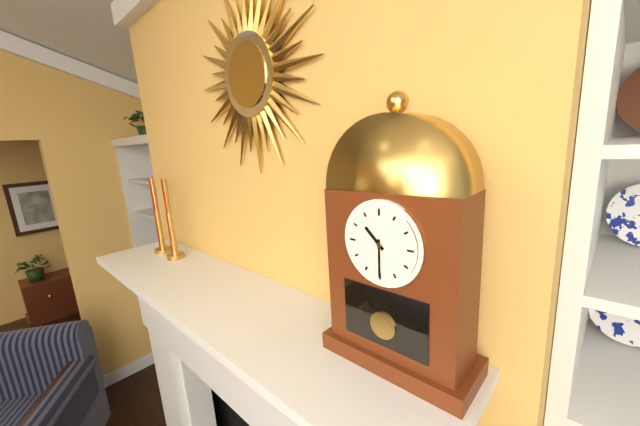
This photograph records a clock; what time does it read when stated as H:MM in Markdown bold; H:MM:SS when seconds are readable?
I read **10:30**
